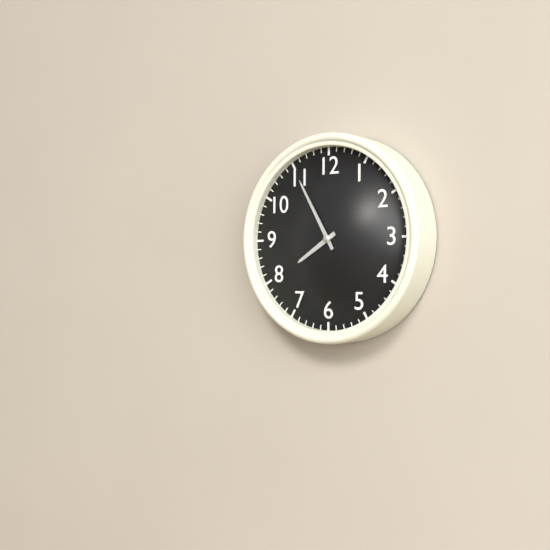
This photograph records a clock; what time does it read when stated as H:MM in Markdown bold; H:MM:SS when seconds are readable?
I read **7:55**
